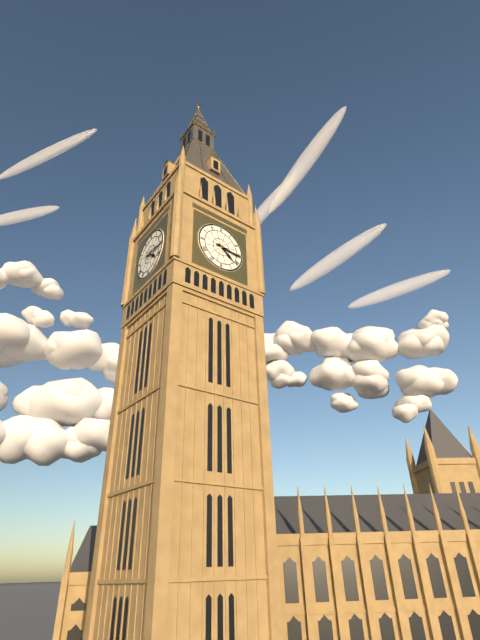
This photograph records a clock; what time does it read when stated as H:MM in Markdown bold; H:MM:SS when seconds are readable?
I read **4:16**
